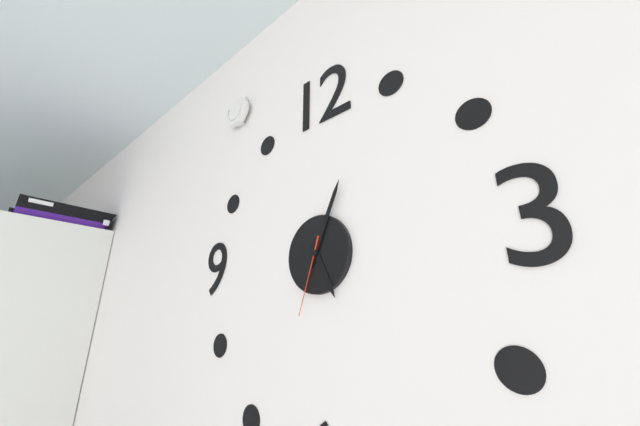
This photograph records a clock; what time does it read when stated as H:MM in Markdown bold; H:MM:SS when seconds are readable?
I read **5:04:33**
